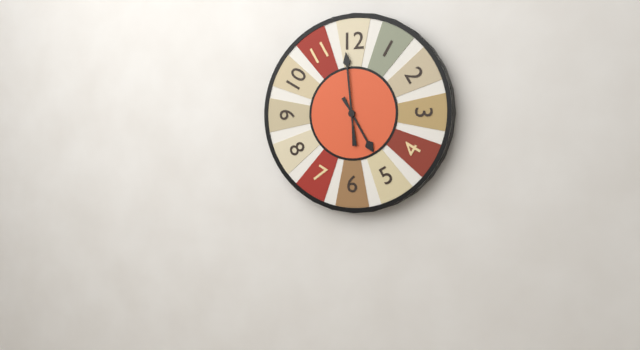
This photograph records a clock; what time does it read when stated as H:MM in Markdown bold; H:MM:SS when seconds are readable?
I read **4:59**
